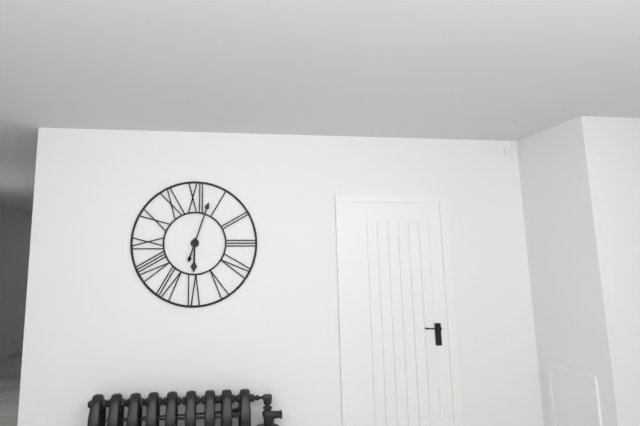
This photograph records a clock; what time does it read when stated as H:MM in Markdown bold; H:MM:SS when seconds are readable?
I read **6:03**
